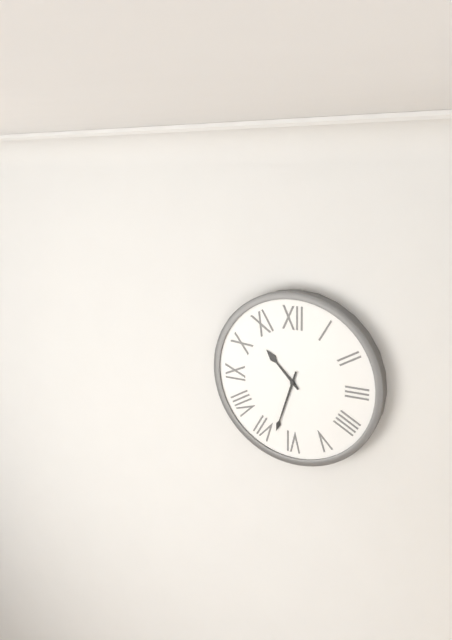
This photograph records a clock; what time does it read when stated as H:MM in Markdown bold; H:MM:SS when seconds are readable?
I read **10:33**
